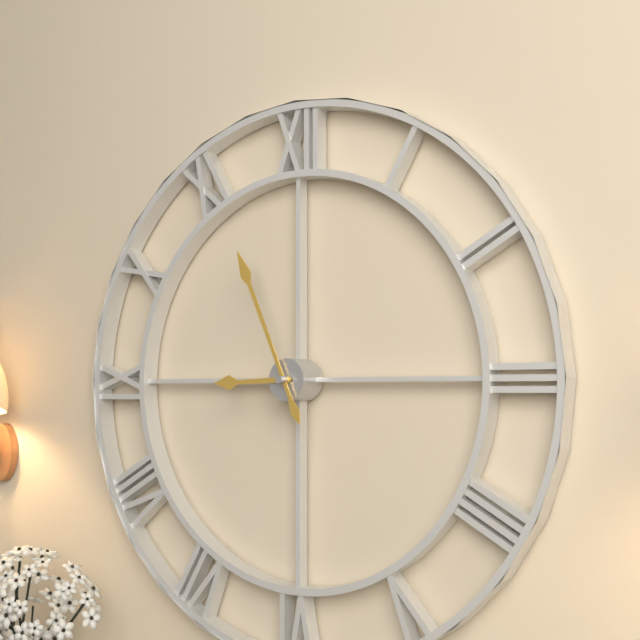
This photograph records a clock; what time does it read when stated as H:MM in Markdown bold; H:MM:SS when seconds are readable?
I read **8:56**
